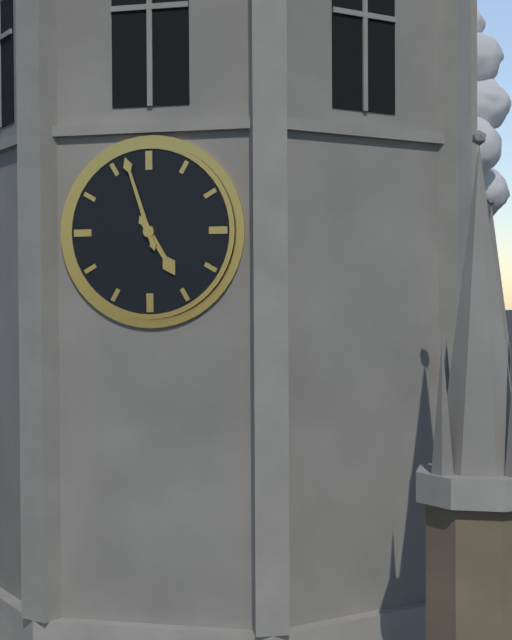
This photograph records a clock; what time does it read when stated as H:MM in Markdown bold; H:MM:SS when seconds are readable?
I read **4:57**
